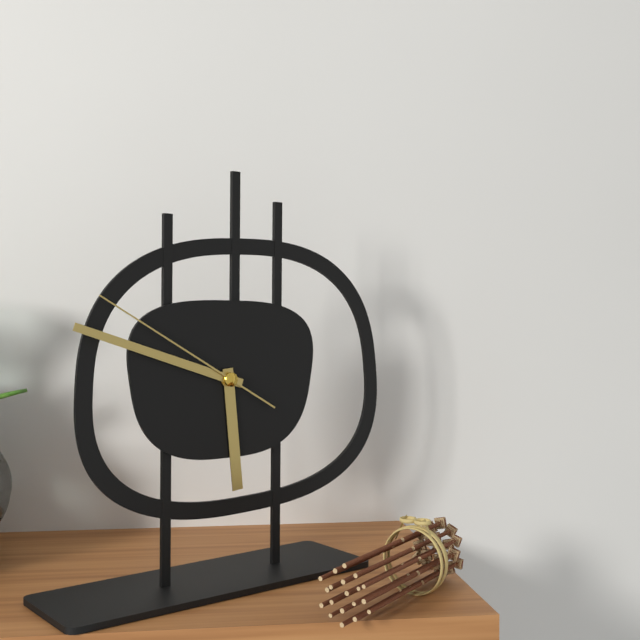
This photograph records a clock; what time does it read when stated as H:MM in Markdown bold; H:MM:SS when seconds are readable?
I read **5:48:50**
